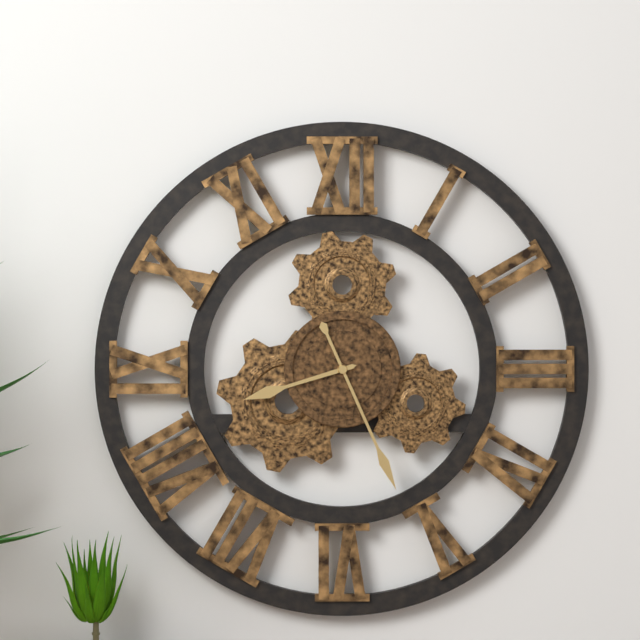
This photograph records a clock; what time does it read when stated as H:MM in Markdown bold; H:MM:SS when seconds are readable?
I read **8:26**
